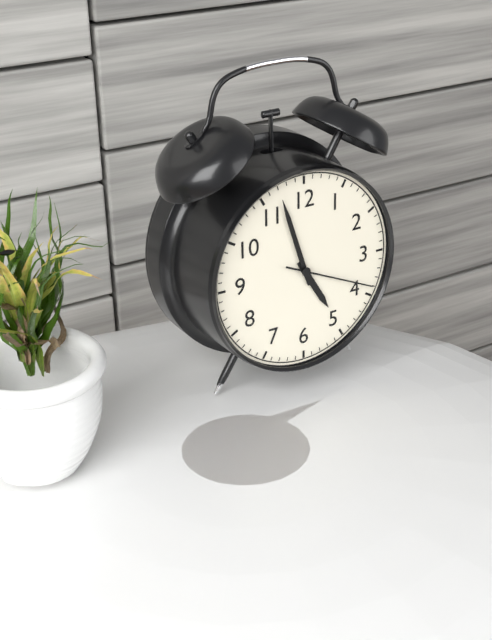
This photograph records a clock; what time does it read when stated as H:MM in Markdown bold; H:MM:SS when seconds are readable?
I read **4:57:19**
